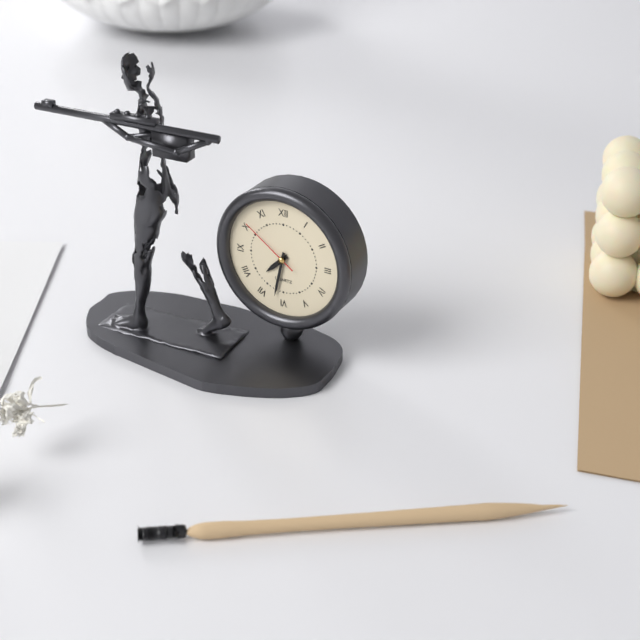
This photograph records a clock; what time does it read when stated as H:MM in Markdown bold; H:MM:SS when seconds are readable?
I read **7:32:51**
